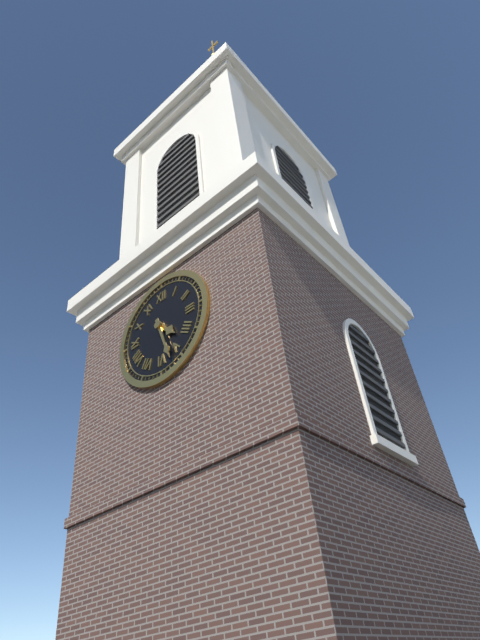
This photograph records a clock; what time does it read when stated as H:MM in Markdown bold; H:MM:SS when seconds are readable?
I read **4:27**
